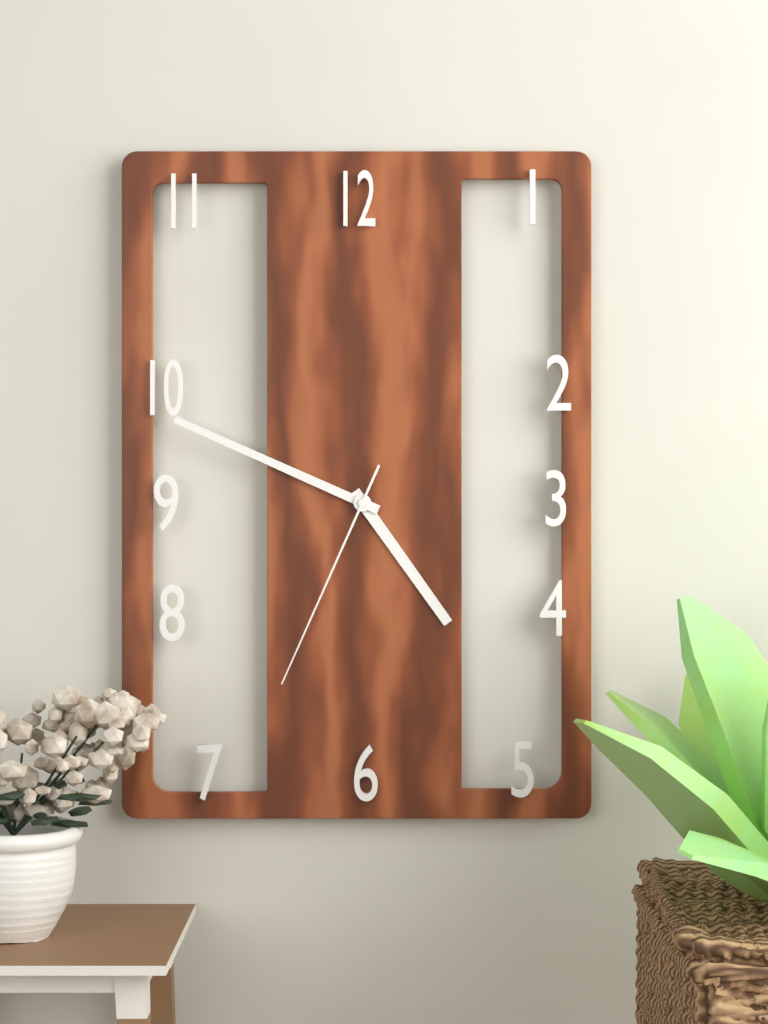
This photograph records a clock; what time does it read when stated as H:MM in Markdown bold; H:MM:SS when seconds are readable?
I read **4:49:34**
